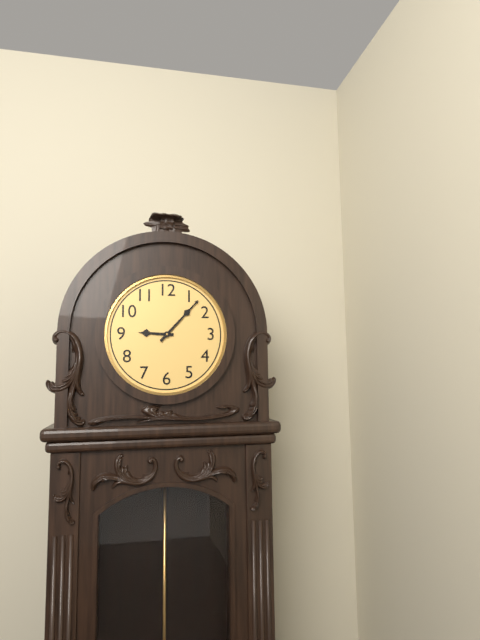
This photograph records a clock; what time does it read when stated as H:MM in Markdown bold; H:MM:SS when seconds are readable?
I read **9:07**
